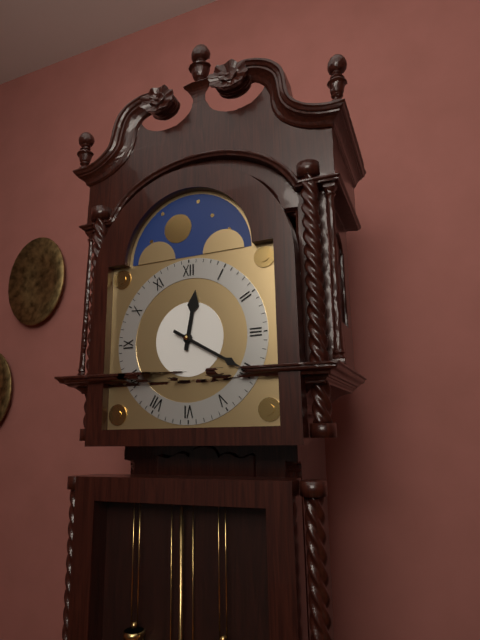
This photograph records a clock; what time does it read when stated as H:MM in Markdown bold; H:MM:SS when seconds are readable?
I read **12:20**
